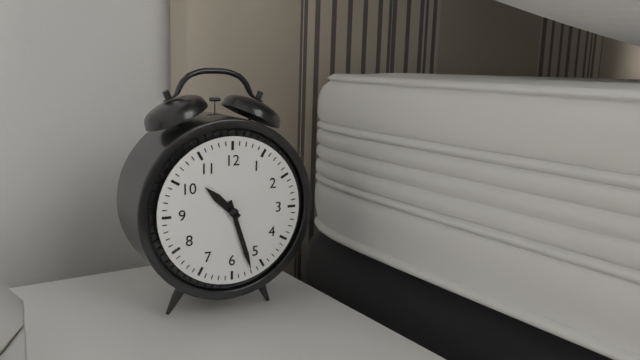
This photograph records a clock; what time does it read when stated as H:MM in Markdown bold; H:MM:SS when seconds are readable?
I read **10:27**
